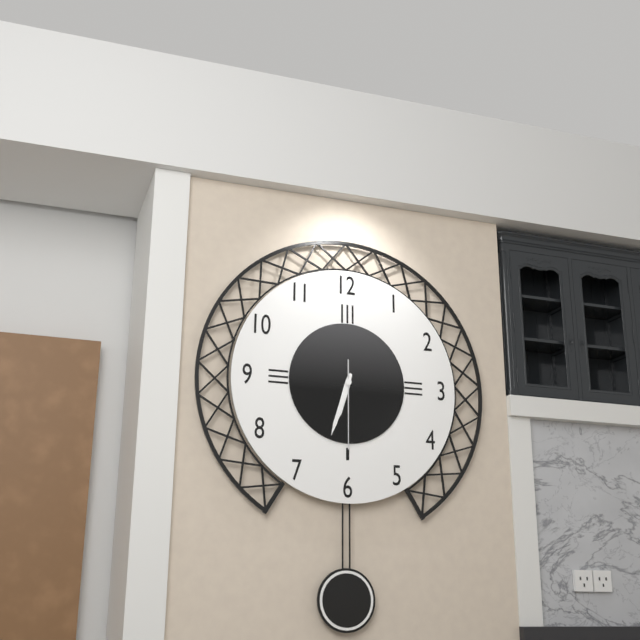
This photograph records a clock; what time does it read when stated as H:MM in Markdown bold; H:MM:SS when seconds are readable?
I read **6:33:30**
